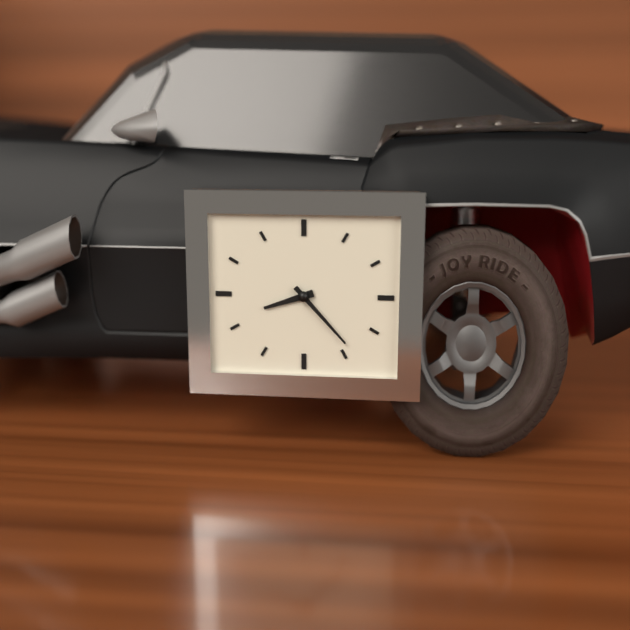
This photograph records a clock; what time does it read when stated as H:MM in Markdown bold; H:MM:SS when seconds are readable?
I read **8:23**
